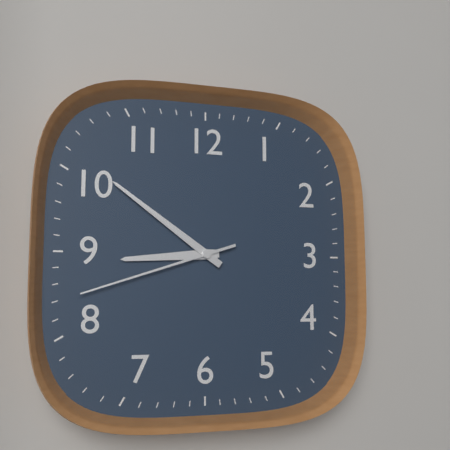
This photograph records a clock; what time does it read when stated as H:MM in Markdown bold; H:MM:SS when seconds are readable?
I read **8:51:42**
